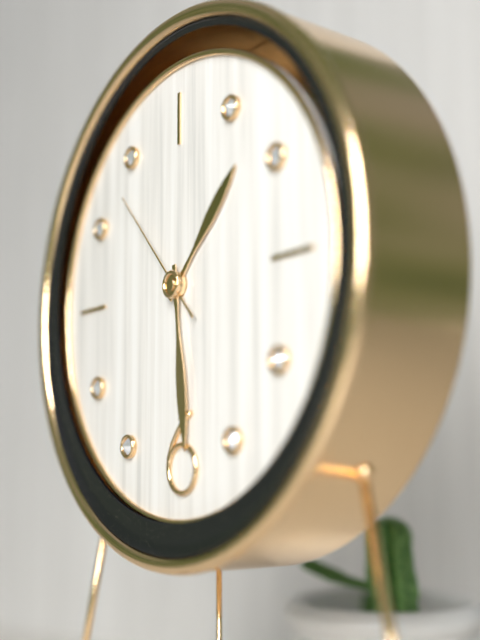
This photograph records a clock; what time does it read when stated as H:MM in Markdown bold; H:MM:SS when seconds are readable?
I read **1:29:53**
